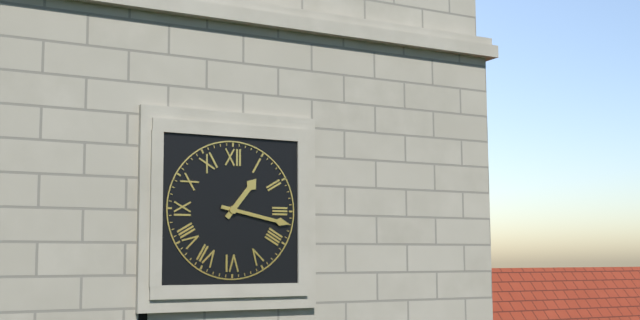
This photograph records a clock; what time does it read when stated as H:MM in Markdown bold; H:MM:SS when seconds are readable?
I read **1:17**
